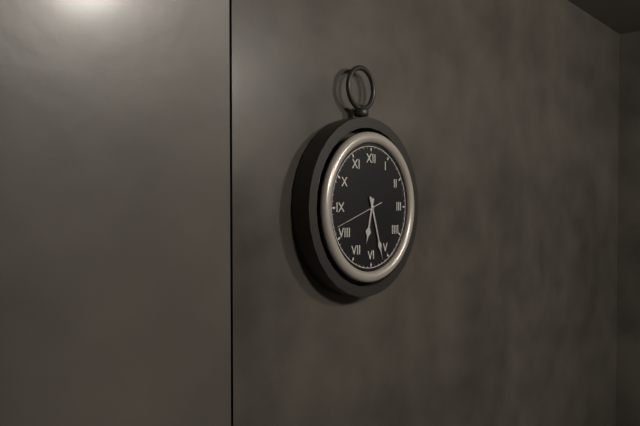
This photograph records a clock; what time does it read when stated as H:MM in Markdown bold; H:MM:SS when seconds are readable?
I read **6:27**
